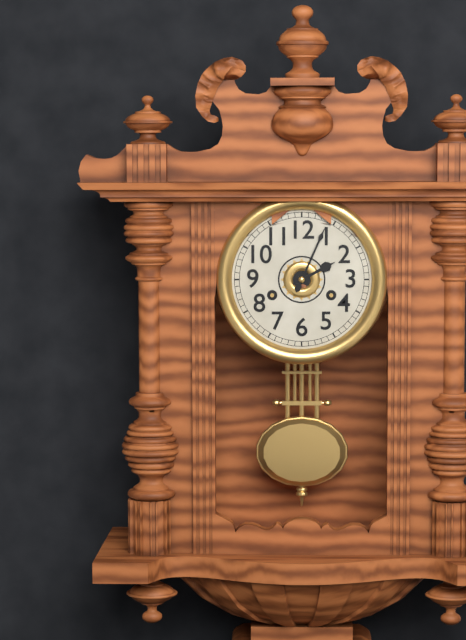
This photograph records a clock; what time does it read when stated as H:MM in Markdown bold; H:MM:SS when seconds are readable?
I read **2:04**
